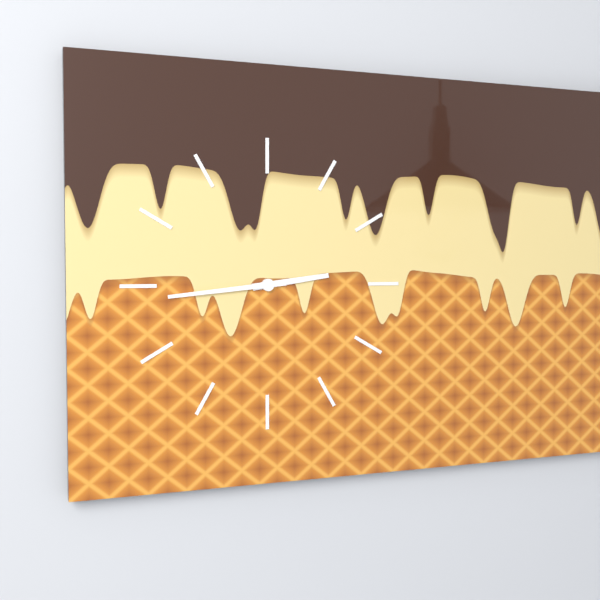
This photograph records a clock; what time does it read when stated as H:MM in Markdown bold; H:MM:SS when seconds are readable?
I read **2:44**
